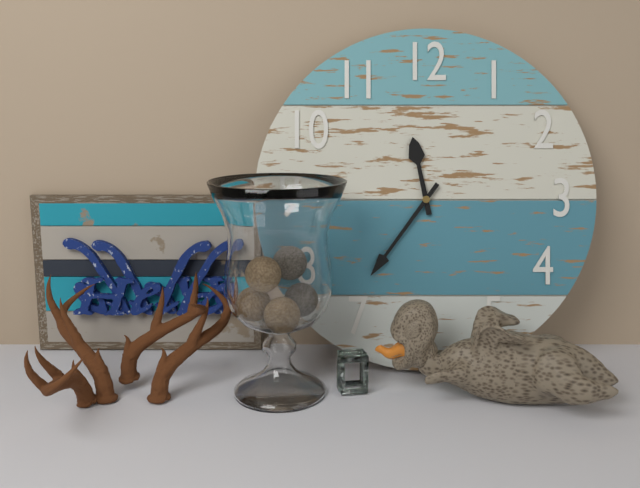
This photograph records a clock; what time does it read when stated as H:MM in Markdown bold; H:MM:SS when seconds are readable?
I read **11:36**
